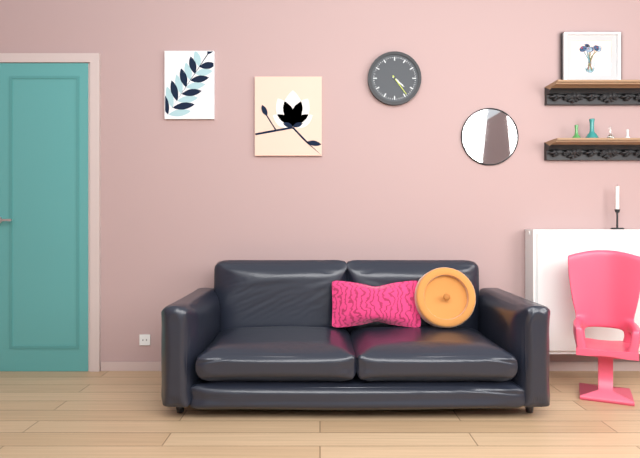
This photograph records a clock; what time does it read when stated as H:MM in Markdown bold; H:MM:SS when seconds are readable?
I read **4:24**
